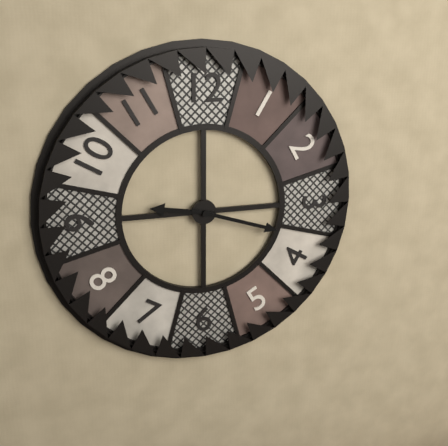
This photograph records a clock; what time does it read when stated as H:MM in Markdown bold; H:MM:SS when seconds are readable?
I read **9:18**
